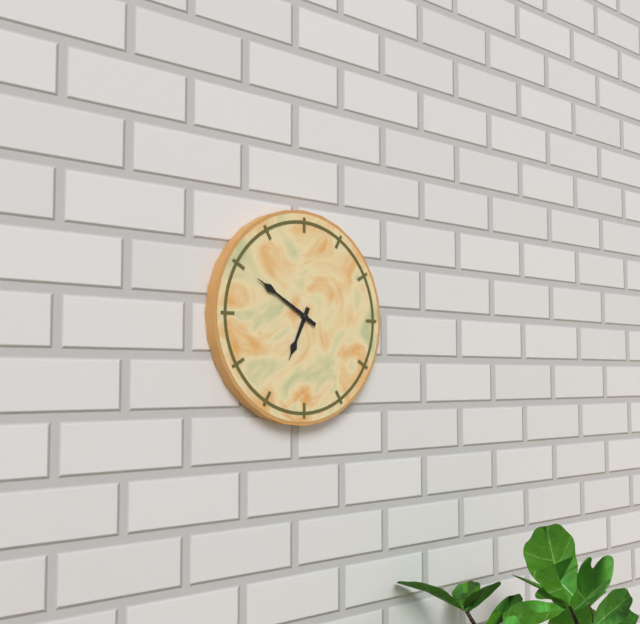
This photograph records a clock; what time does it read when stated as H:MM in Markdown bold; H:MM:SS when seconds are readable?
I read **6:50**
